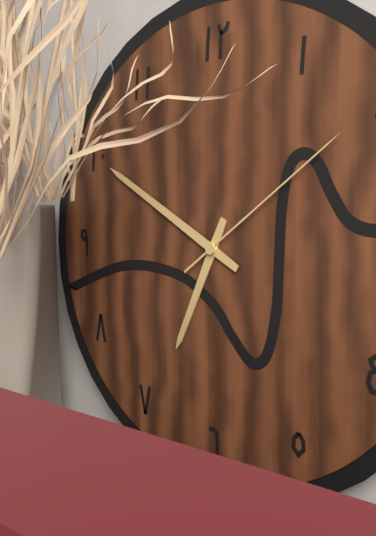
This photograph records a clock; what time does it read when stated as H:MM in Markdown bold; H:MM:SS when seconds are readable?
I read **6:50:09**
